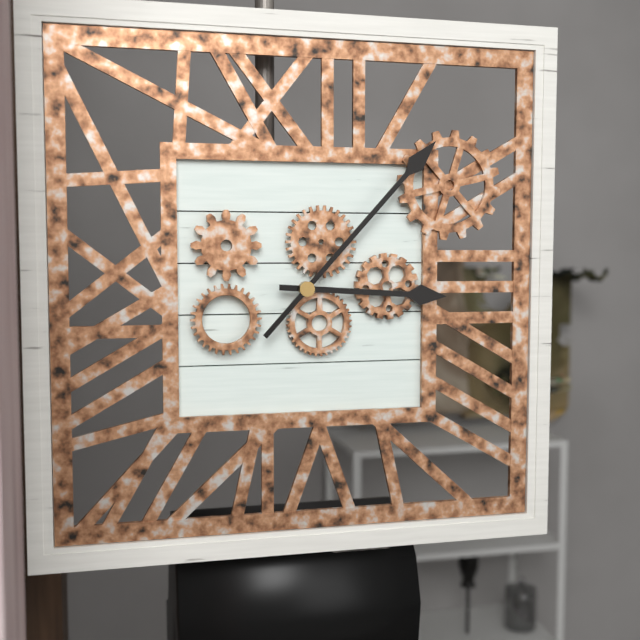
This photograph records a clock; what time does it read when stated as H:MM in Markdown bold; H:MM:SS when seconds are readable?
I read **3:07**
